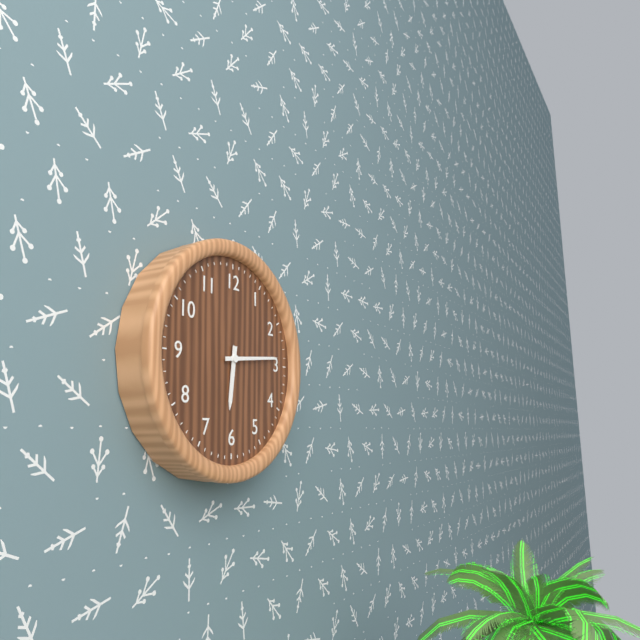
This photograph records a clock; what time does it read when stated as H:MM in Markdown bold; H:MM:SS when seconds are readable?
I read **6:14**
